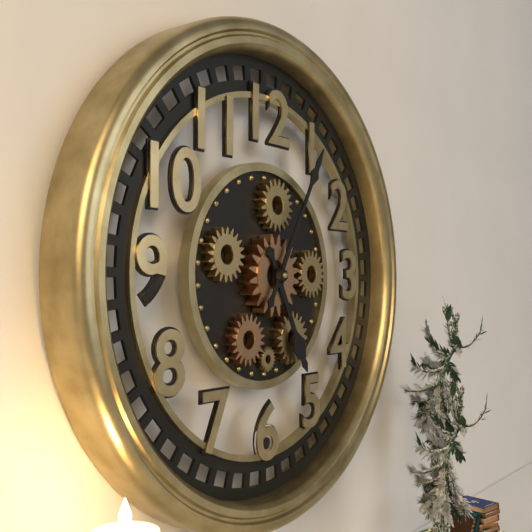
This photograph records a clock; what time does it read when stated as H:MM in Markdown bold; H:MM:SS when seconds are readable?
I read **5:05**
